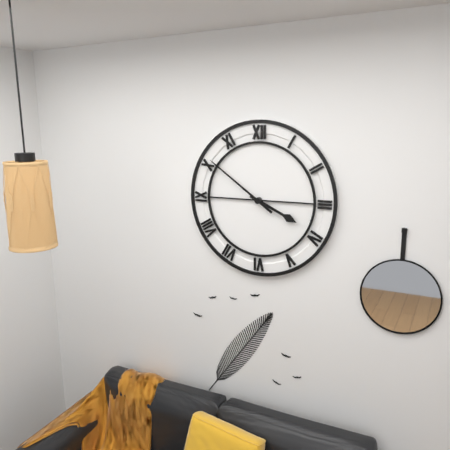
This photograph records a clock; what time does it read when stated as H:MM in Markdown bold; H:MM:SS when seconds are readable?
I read **3:51**
